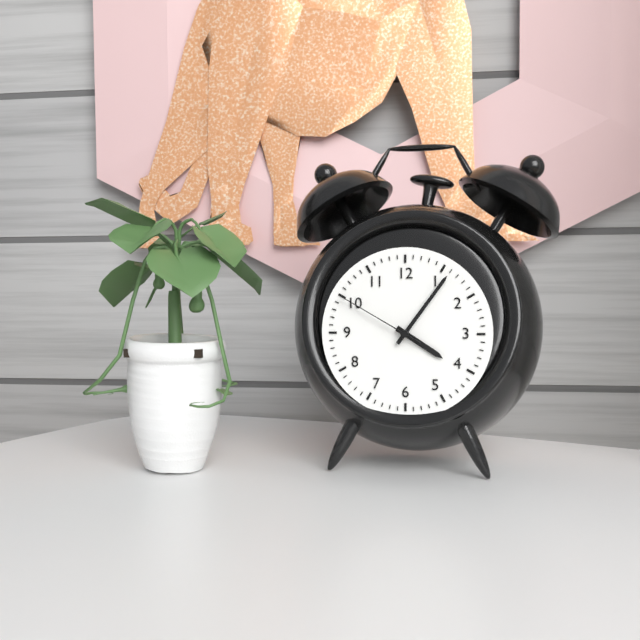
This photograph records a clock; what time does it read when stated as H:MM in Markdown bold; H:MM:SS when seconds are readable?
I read **4:06:50**
